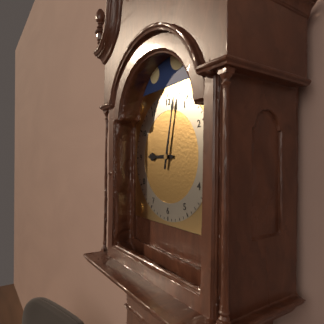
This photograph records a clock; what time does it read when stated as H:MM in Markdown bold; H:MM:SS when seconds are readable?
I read **9:02**
